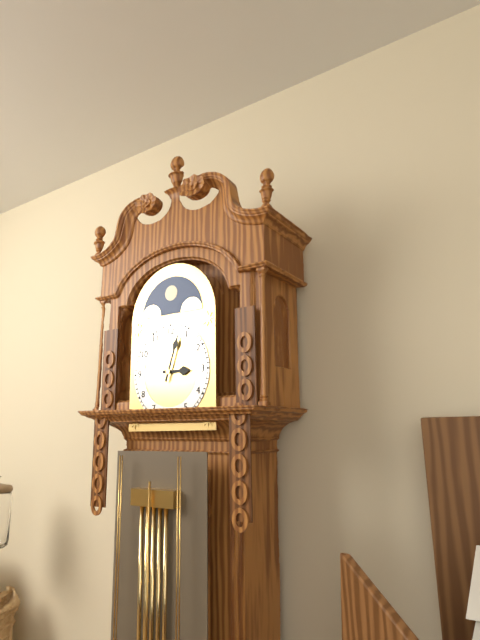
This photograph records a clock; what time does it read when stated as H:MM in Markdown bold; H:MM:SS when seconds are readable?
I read **3:03**
